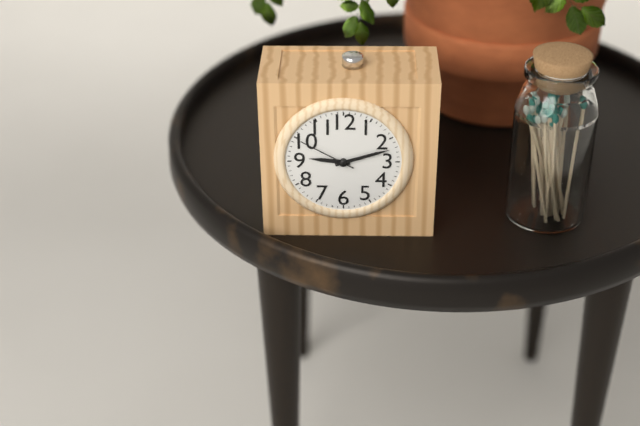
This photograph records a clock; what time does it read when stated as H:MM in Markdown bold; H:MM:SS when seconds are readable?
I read **9:12:50**
